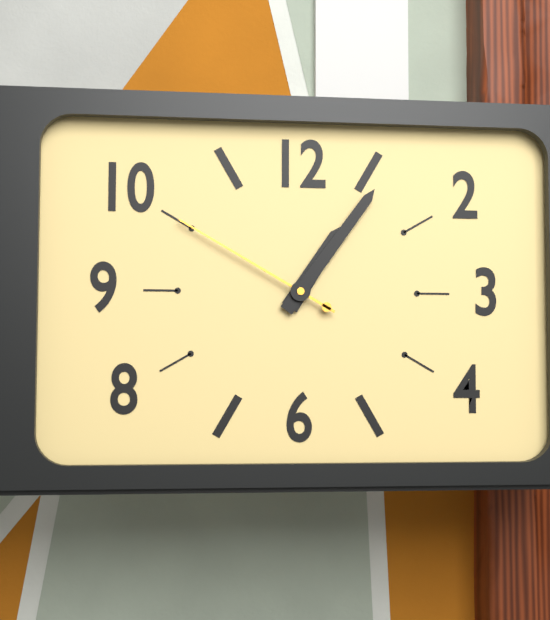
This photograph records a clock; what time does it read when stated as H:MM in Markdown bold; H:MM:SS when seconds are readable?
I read **1:06:50**
